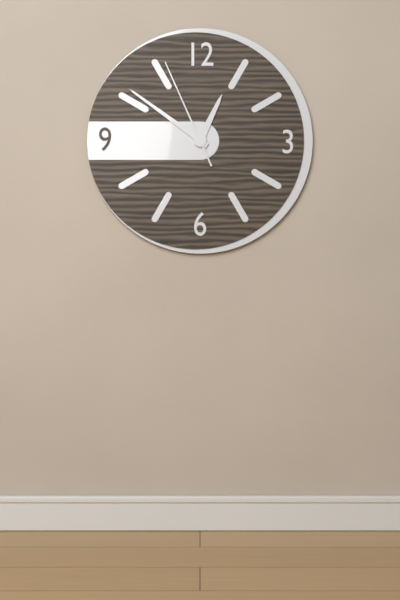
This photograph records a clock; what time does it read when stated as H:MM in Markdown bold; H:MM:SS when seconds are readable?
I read **12:51:56**
